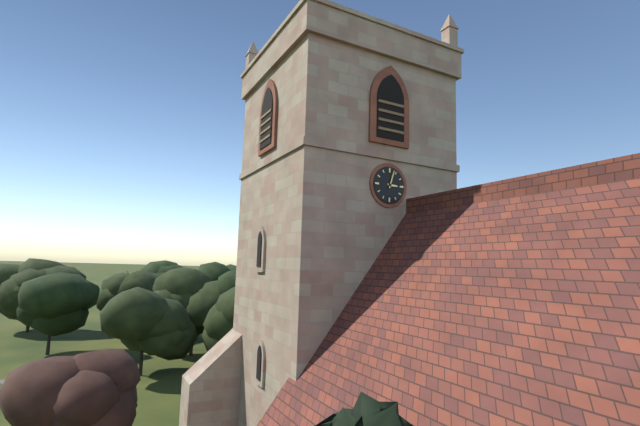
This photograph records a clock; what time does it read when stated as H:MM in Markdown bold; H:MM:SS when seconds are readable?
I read **3:03**
